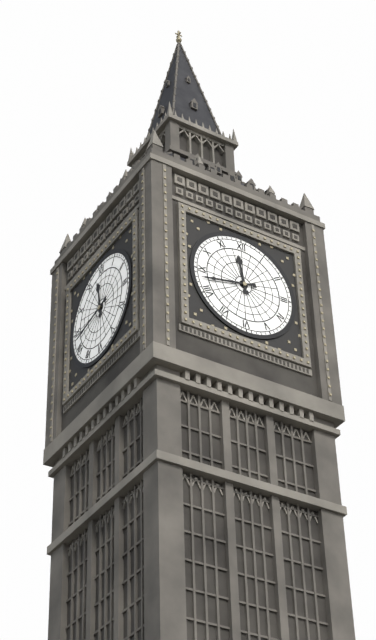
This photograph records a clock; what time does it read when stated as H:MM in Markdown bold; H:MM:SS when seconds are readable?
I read **11:43**
